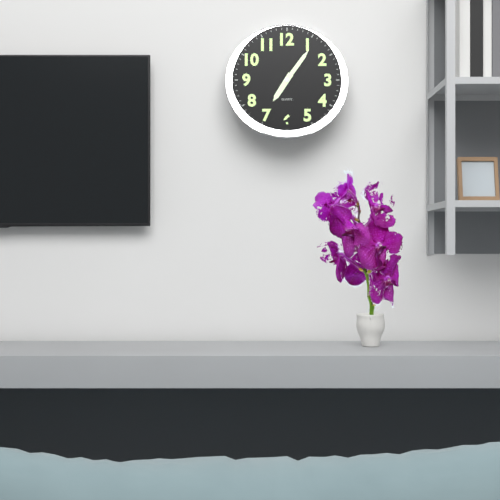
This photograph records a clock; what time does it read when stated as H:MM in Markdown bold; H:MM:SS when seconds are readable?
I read **7:06**
